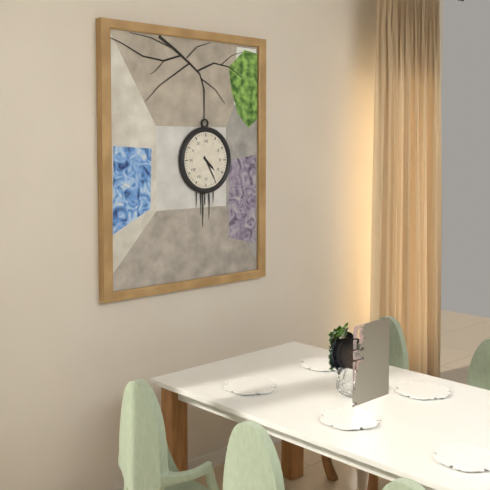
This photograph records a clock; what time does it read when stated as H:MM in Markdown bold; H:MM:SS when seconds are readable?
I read **4:25**
